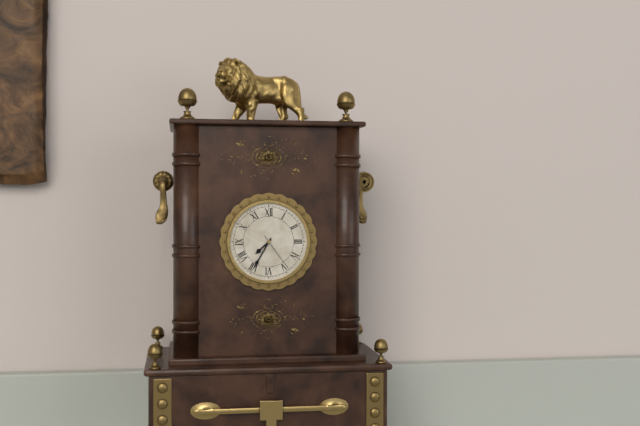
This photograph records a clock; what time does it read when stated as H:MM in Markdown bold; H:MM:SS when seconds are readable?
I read **7:35**
